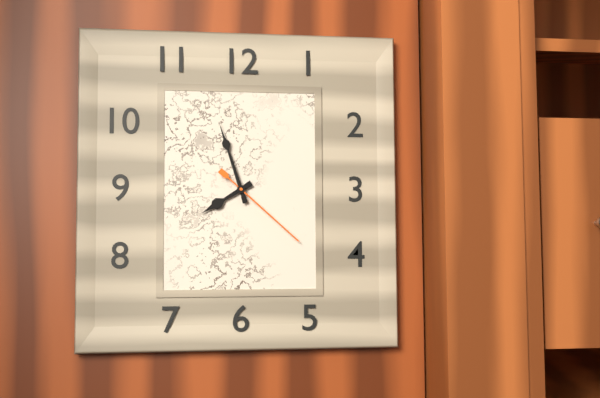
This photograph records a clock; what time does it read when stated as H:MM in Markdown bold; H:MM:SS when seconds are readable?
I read **7:57:22**
